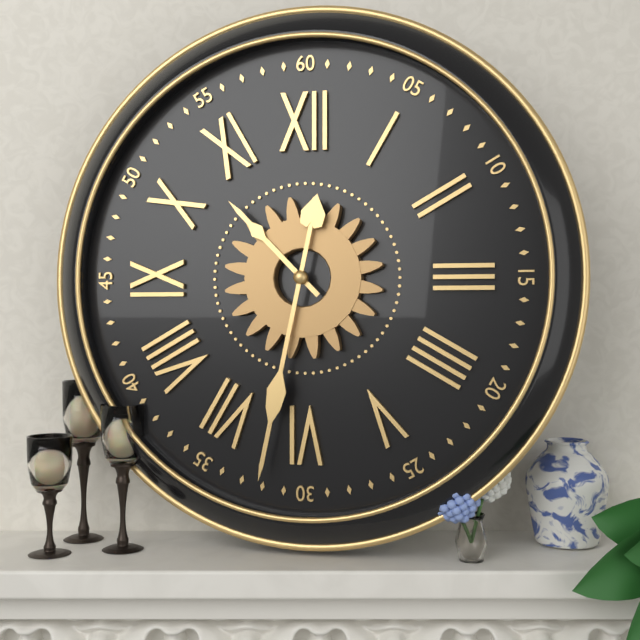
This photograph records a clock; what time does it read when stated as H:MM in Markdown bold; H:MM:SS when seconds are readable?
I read **10:32**
